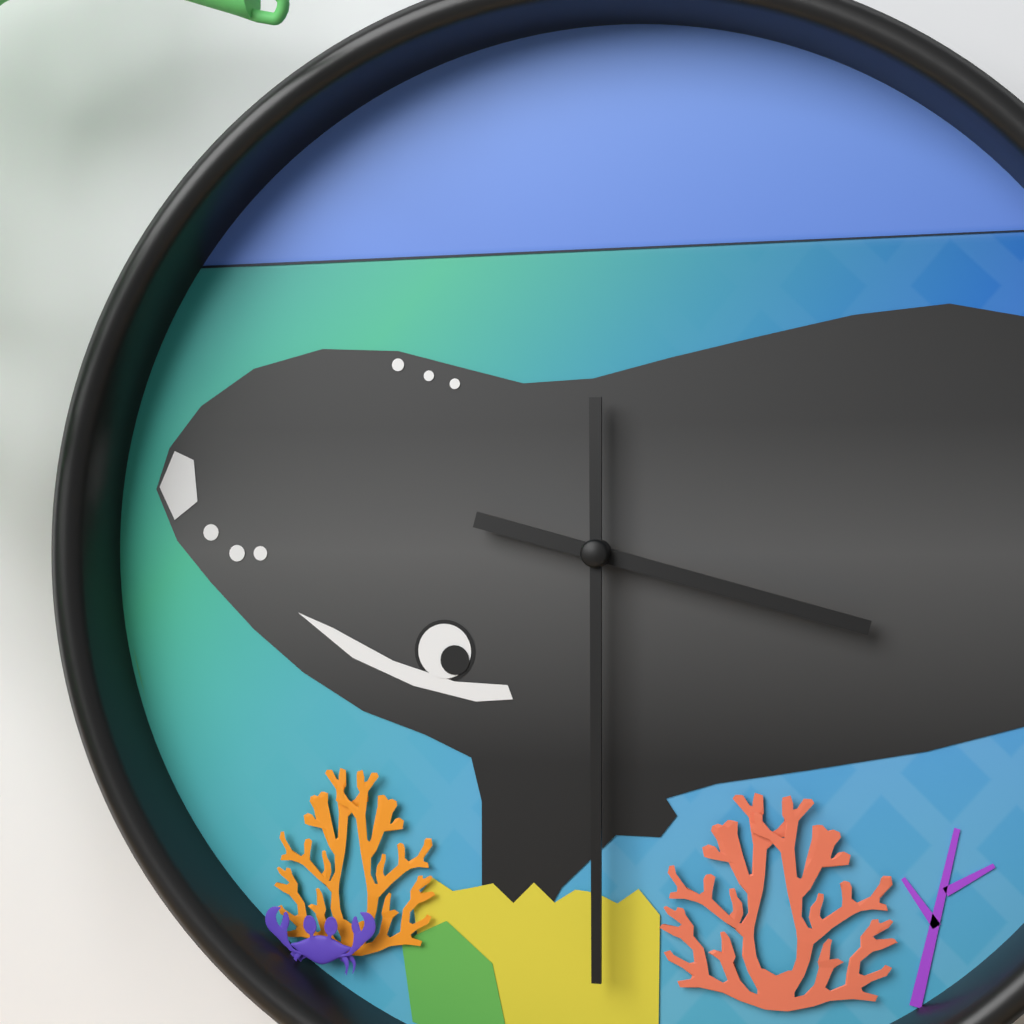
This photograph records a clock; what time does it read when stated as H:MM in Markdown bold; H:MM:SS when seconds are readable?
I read **3:30**
